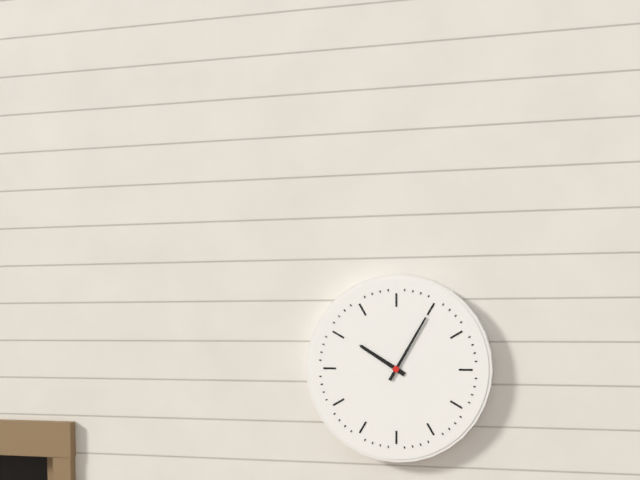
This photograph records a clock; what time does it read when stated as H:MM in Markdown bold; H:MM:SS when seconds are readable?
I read **10:05**
